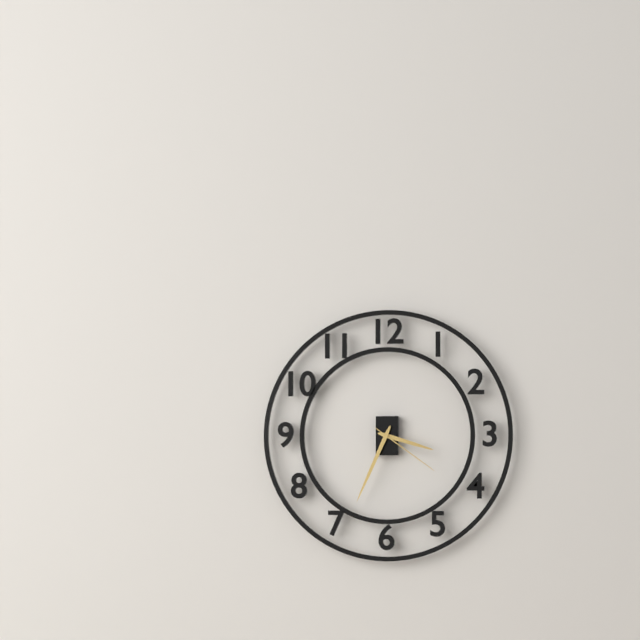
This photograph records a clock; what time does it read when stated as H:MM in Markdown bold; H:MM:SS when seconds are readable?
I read **3:34:21**
